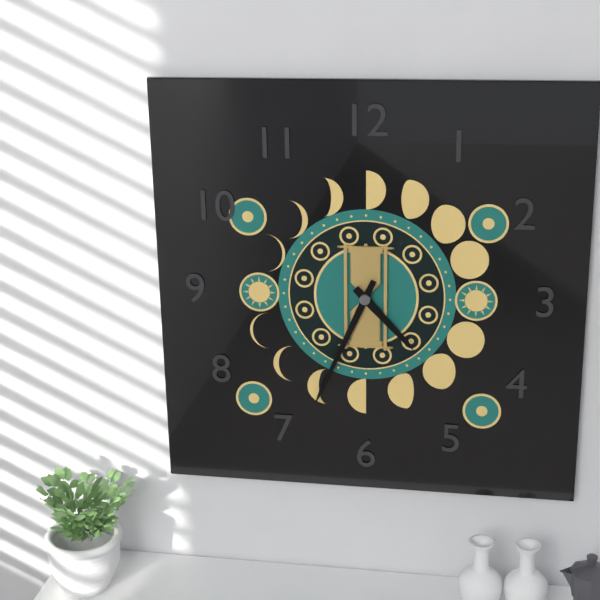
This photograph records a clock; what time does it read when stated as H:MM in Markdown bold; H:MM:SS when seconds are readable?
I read **4:34**
